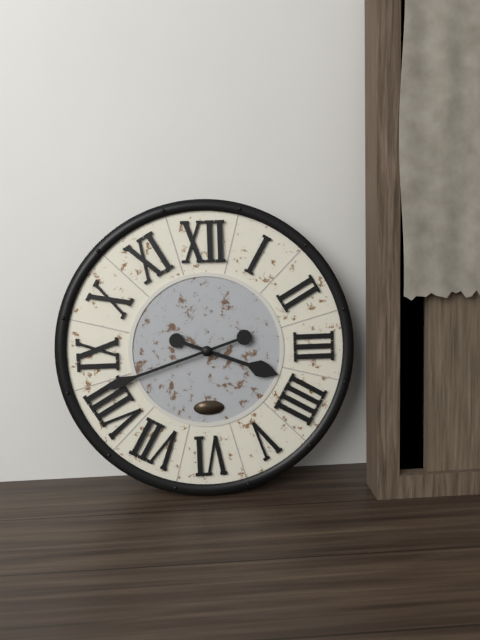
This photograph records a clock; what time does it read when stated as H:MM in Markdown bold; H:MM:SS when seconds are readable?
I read **3:42**
